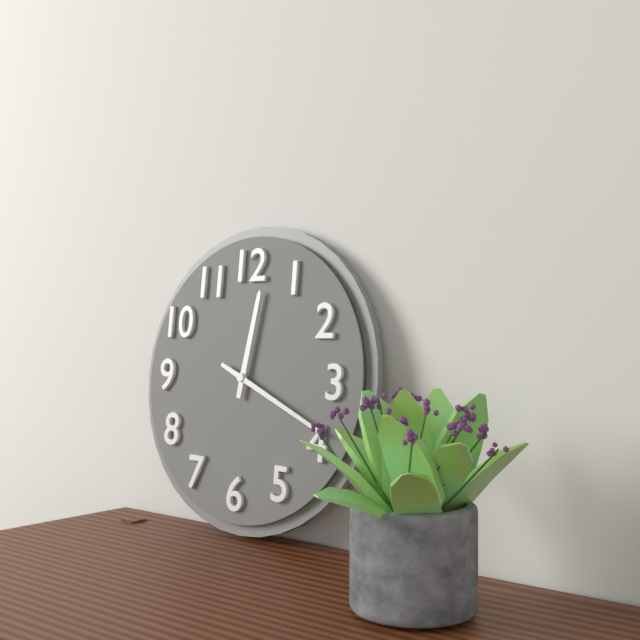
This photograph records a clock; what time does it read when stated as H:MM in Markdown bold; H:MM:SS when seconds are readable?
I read **12:19**
